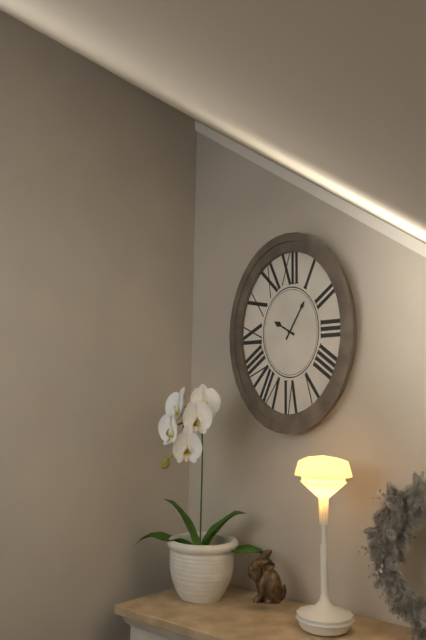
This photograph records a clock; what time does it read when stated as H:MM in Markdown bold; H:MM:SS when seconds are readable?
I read **10:05**
